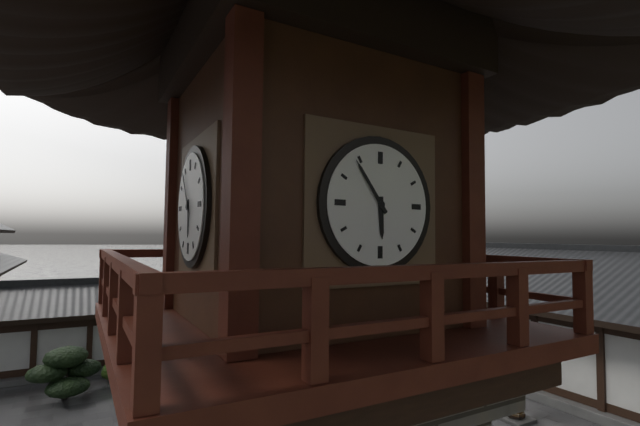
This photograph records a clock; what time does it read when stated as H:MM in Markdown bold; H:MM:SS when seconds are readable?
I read **5:54**
